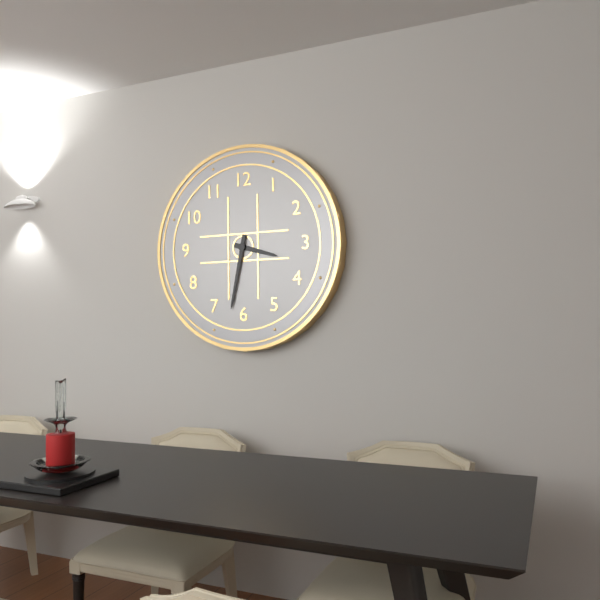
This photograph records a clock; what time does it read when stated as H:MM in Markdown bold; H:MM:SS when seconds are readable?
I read **3:32**
